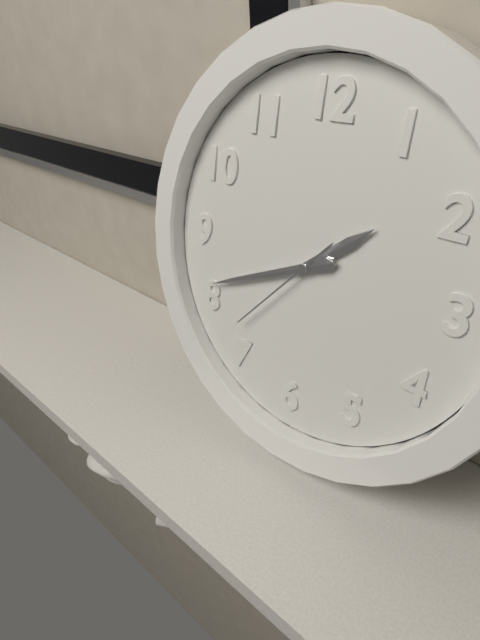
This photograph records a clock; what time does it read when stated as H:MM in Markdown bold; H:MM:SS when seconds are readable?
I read **1:41:37**
